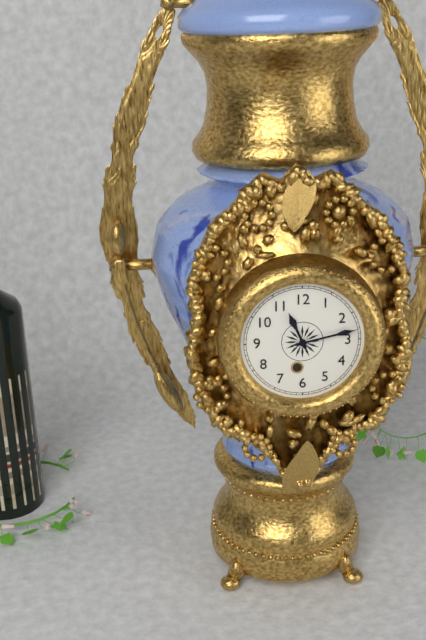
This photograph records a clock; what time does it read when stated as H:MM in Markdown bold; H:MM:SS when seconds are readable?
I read **11:13**
